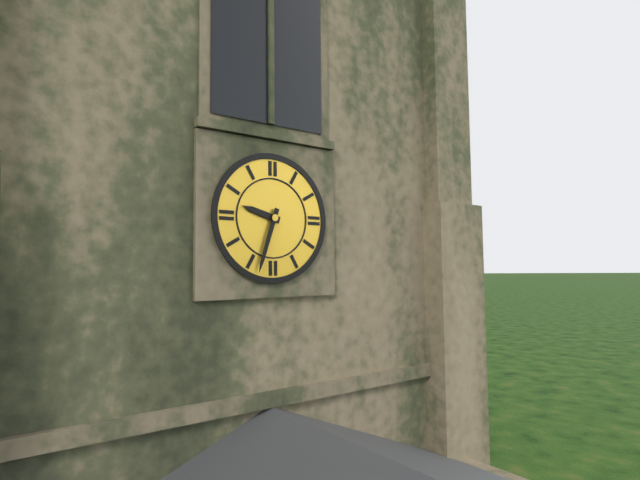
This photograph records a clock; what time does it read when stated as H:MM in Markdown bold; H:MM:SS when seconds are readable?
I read **9:33**
